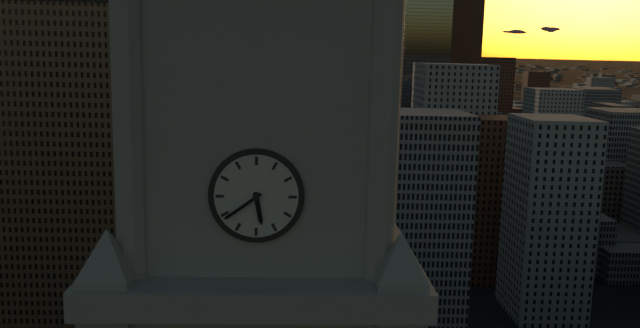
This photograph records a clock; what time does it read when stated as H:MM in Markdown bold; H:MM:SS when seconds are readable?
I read **5:39**
